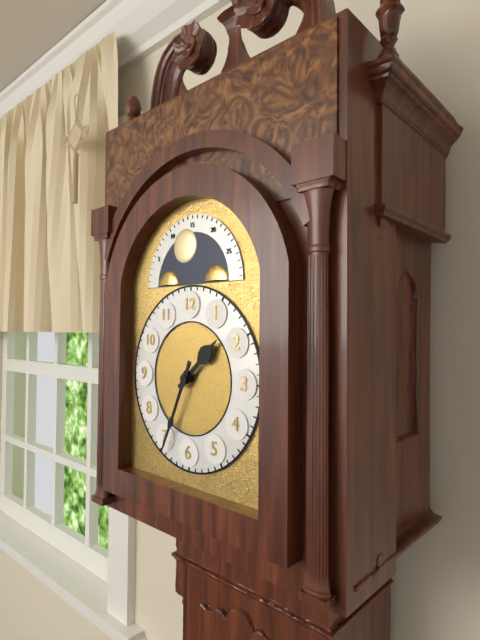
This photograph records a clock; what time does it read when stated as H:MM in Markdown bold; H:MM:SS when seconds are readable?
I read **1:34**
